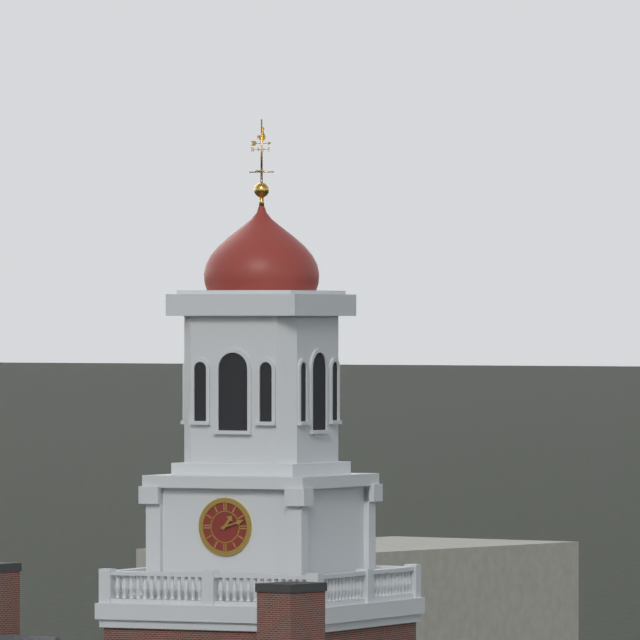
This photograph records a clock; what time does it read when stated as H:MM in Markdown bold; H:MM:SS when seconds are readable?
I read **1:12**
